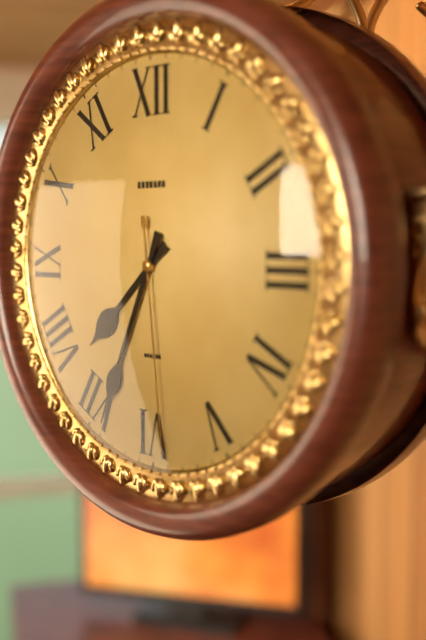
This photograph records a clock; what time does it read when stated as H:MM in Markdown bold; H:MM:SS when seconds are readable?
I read **7:34:29**
